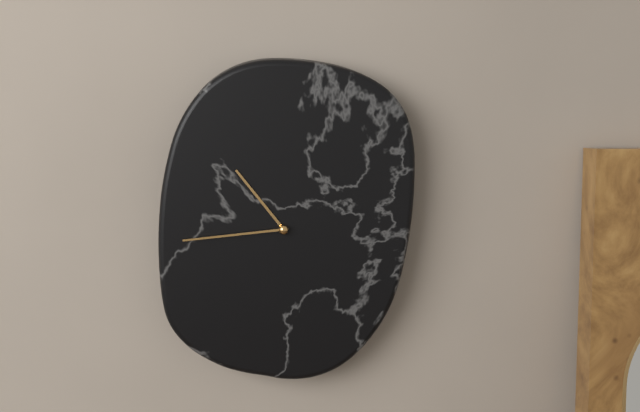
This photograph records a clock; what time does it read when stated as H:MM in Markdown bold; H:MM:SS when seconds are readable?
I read **10:44**
